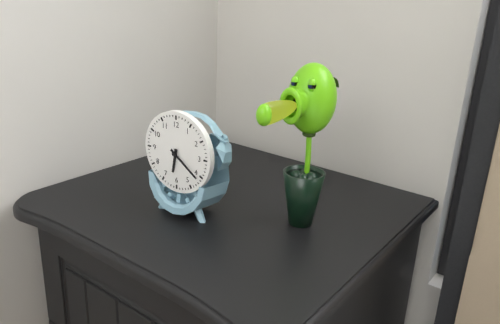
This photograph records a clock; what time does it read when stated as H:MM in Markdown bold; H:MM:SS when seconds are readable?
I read **6:21**
